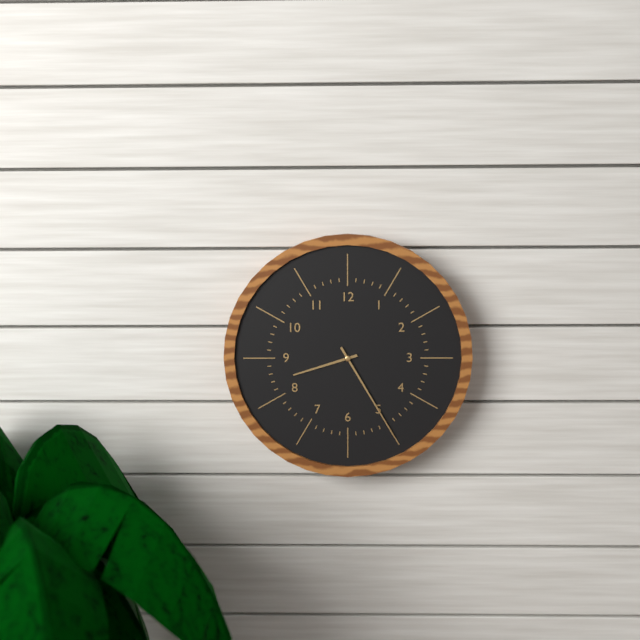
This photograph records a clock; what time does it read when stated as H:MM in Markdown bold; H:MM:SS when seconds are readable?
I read **8:25**
